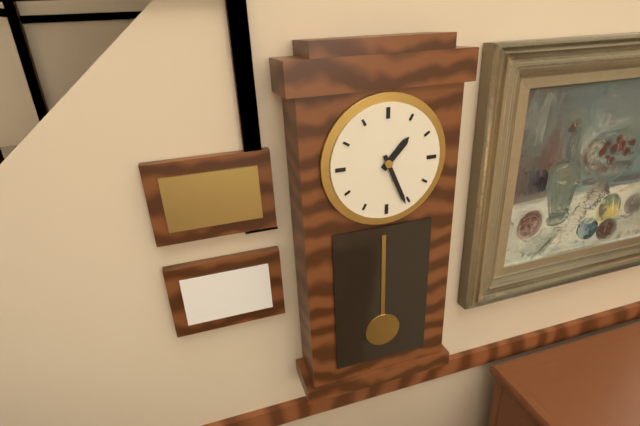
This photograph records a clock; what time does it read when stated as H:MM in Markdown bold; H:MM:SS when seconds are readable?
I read **1:26**
